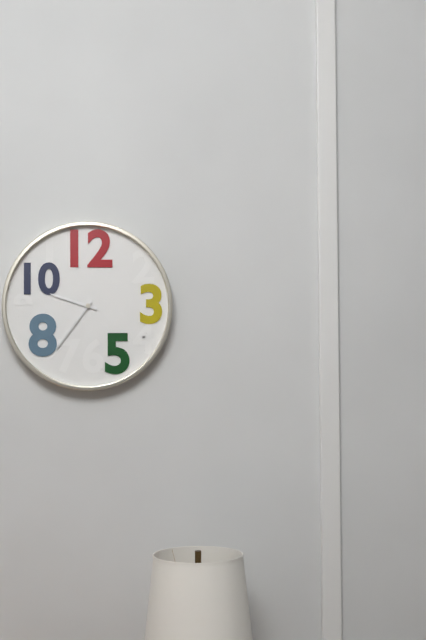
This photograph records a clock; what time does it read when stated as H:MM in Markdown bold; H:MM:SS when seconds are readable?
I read **9:36**
